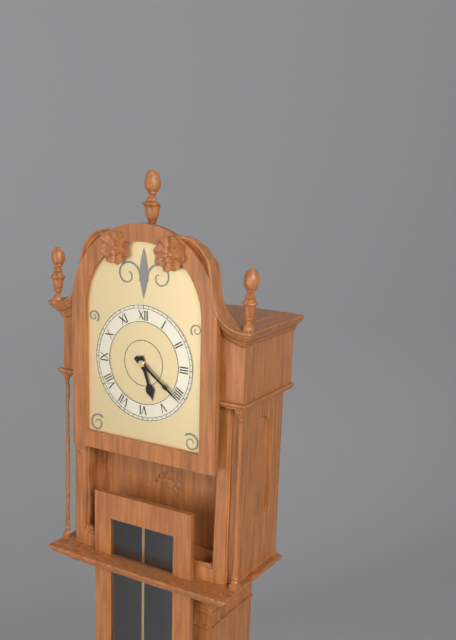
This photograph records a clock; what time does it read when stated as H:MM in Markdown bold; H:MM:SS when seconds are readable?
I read **5:21**
